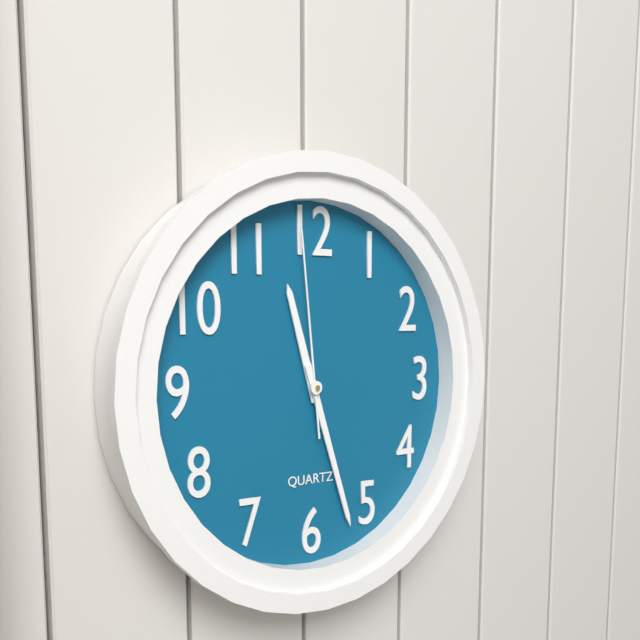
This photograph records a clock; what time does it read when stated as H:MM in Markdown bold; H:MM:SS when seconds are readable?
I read **11:27:59**
